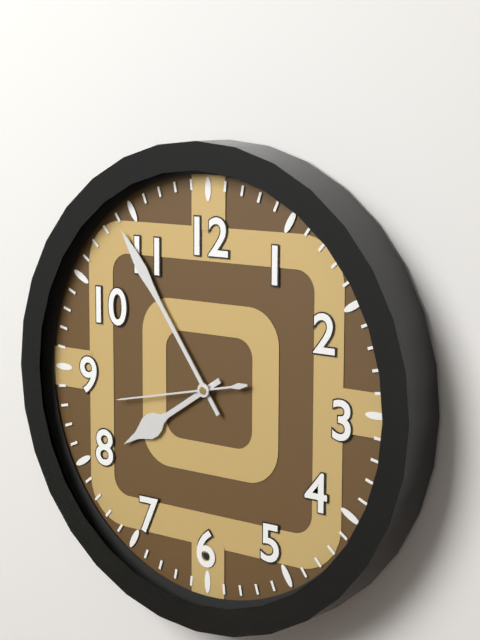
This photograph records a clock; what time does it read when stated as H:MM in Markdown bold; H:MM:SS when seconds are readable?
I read **7:54:43**
